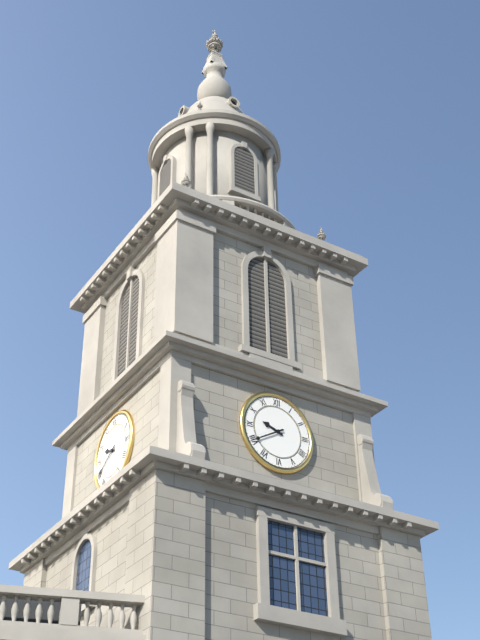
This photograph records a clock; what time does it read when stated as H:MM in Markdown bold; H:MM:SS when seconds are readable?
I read **9:40**
